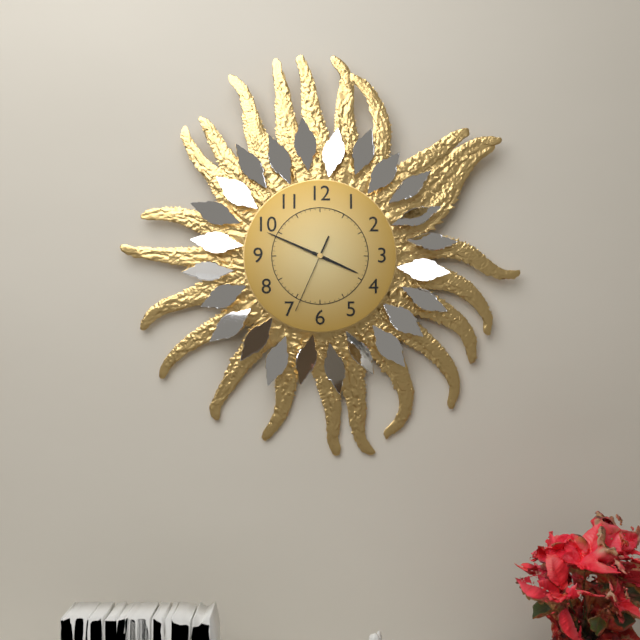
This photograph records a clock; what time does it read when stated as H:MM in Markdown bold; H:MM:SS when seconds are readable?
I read **3:49:34**
